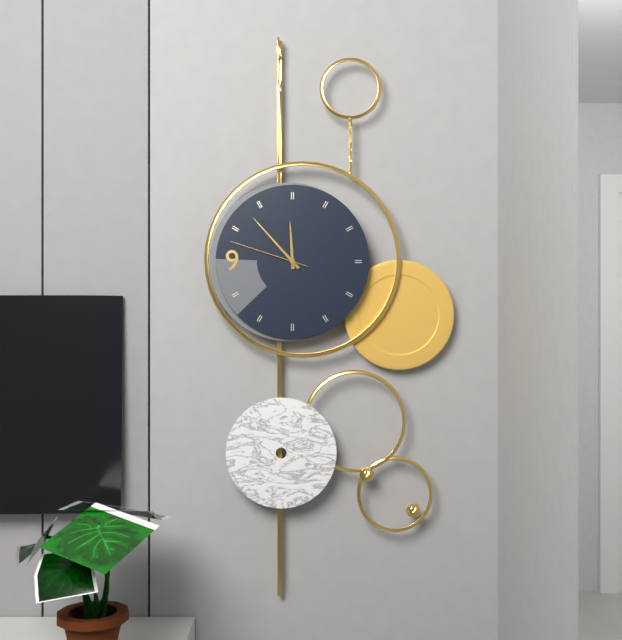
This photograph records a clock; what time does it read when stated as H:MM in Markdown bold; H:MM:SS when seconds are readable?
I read **11:53:48**
